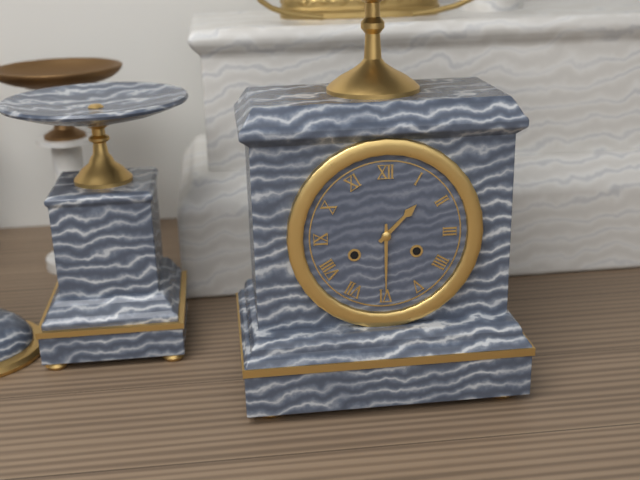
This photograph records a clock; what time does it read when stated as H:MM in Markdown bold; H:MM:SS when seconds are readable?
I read **1:30**
